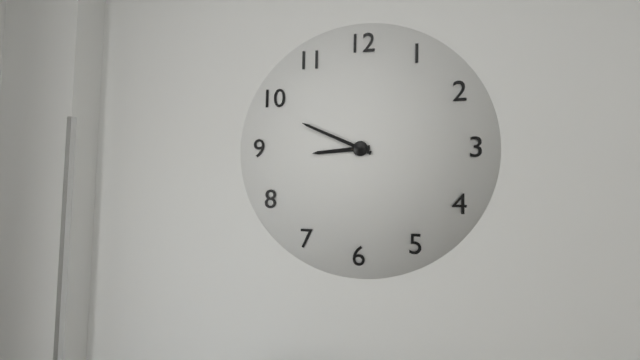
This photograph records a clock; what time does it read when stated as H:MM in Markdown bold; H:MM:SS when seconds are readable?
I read **8:49**
